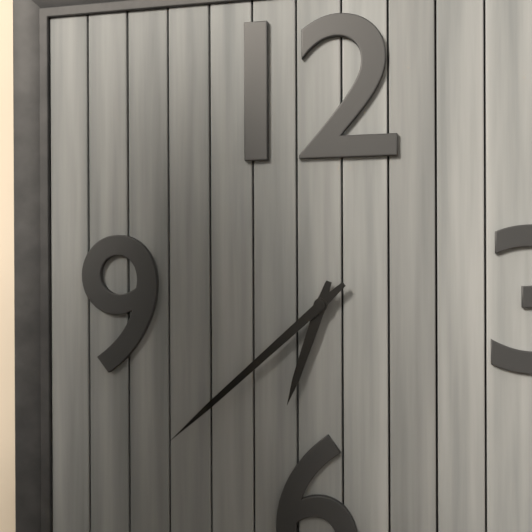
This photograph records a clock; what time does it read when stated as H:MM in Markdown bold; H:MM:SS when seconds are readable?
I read **6:38**
